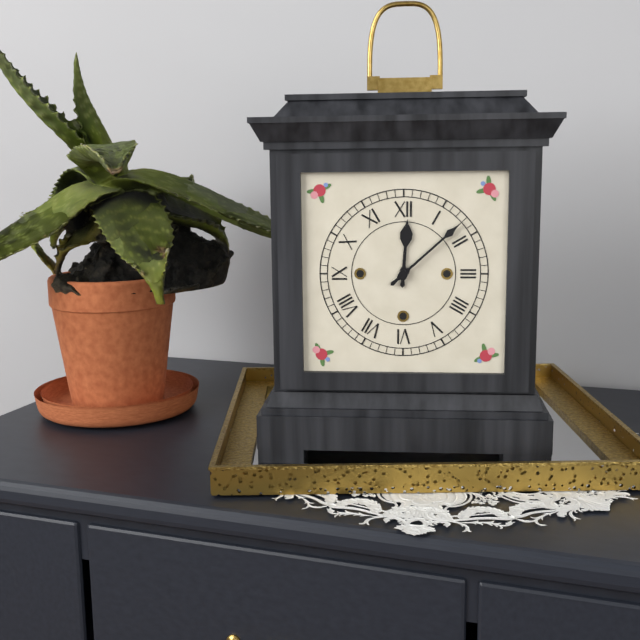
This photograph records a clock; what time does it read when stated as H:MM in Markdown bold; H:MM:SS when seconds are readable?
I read **12:08**
